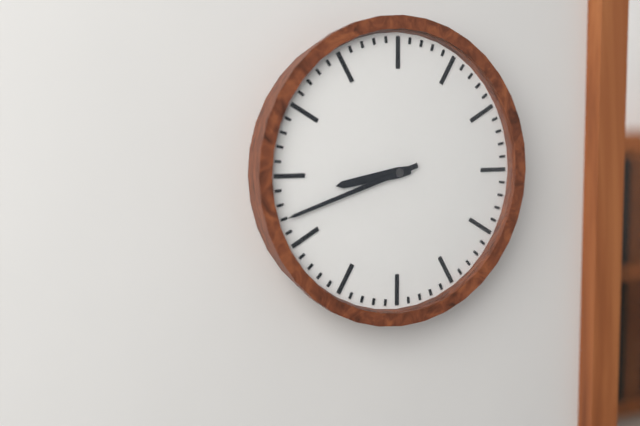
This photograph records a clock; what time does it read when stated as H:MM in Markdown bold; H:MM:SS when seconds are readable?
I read **8:42**
